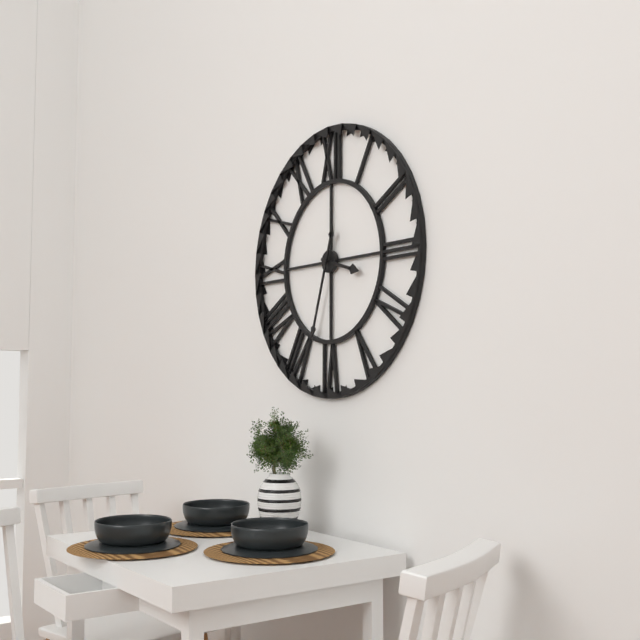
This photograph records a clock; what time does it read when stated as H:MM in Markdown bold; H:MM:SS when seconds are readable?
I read **3:33**
